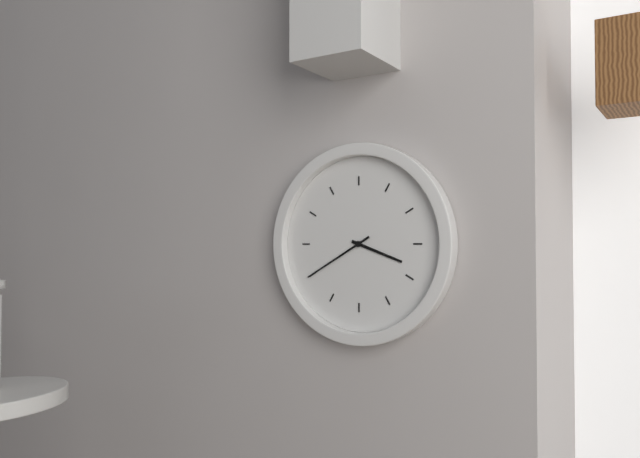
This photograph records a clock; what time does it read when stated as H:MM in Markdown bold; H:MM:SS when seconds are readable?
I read **3:40**
